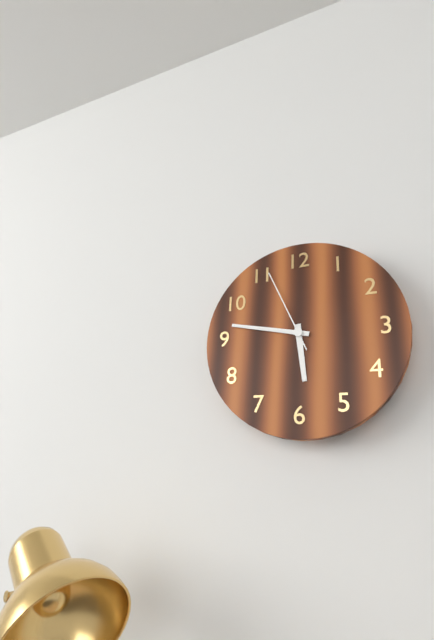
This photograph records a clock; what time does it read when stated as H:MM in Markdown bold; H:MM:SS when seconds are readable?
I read **5:47:56**
